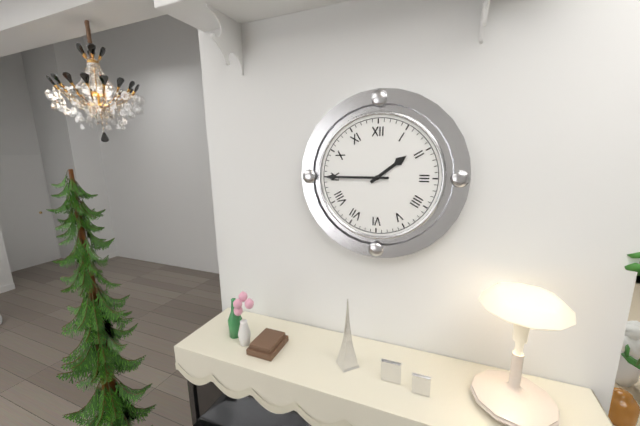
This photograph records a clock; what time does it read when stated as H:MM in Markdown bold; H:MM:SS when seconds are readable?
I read **1:45**
